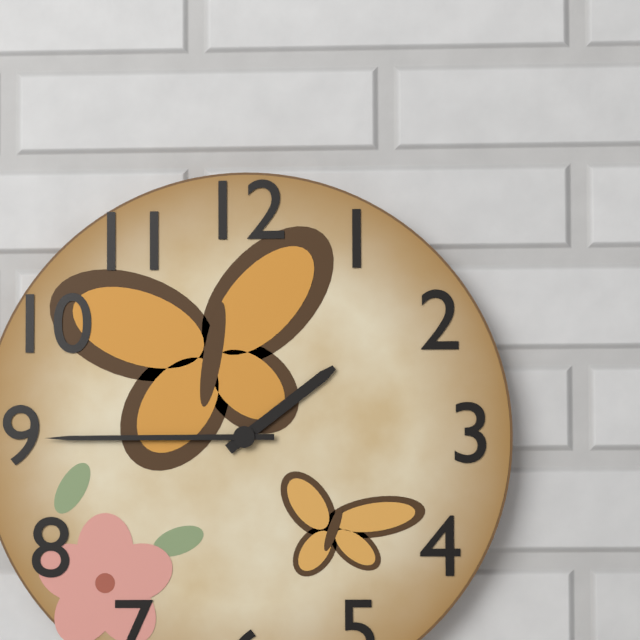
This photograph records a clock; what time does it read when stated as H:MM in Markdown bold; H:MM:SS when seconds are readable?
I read **1:45**
